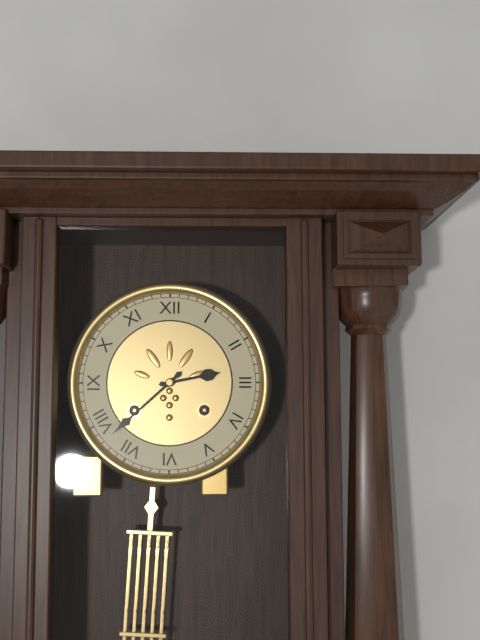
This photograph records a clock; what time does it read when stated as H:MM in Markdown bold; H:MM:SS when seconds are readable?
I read **2:38**
